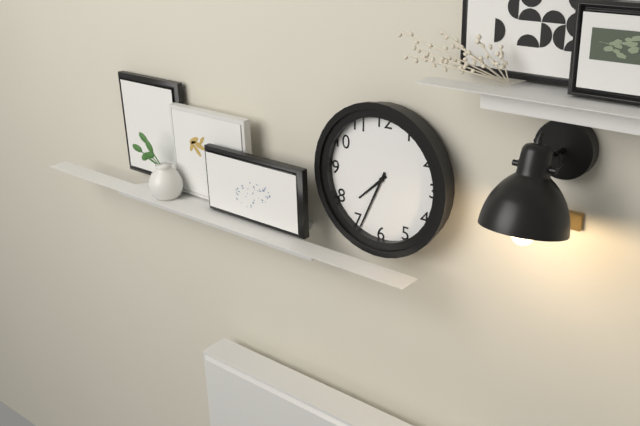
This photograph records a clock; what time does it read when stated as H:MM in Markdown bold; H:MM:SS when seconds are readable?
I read **7:34**
